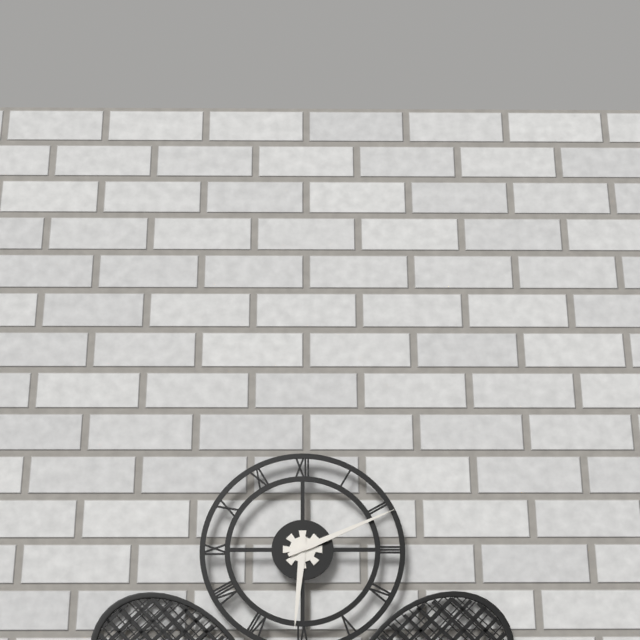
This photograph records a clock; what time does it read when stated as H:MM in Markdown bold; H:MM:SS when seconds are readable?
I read **6:11**
